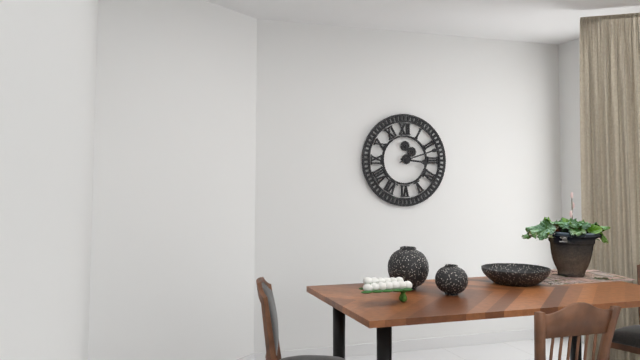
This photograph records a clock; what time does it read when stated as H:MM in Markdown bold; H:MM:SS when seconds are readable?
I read **3:12**
